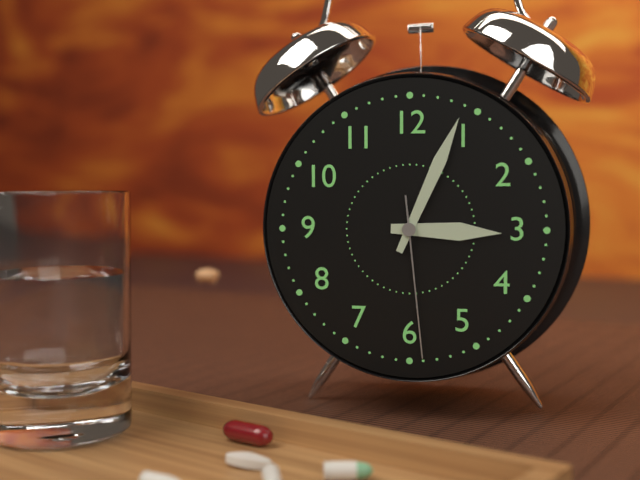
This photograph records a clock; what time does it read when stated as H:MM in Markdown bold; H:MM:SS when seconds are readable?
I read **3:04:29**
